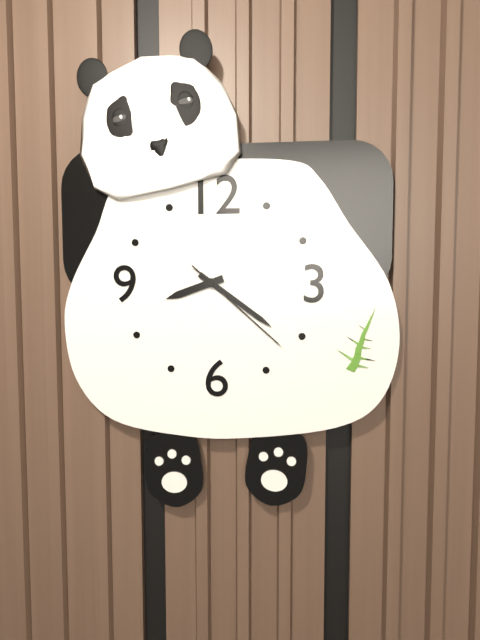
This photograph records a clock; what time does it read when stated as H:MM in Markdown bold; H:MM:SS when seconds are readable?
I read **8:21:22**
